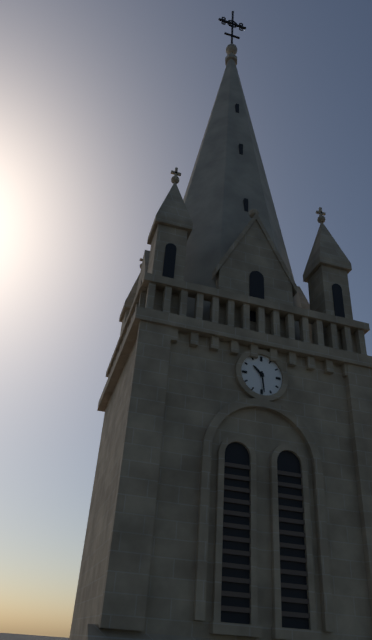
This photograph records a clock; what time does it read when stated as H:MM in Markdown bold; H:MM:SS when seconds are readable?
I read **10:29**
